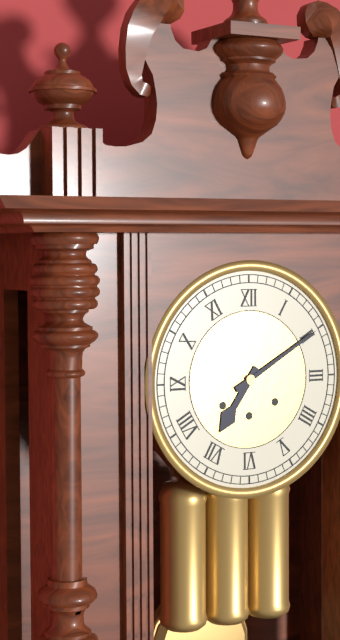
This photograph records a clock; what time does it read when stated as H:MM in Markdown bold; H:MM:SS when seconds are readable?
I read **7:10**
